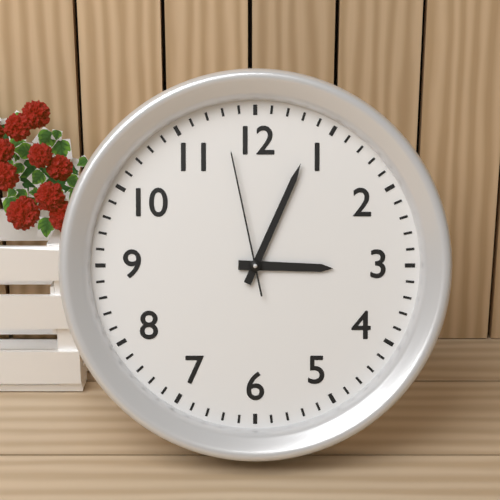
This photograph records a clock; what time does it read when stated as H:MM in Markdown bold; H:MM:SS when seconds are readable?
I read **3:04:58**
